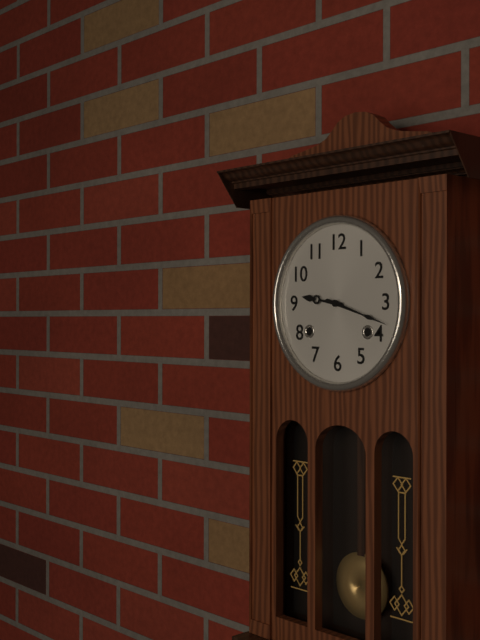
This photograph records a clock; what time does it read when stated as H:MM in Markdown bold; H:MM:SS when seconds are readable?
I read **9:18**
